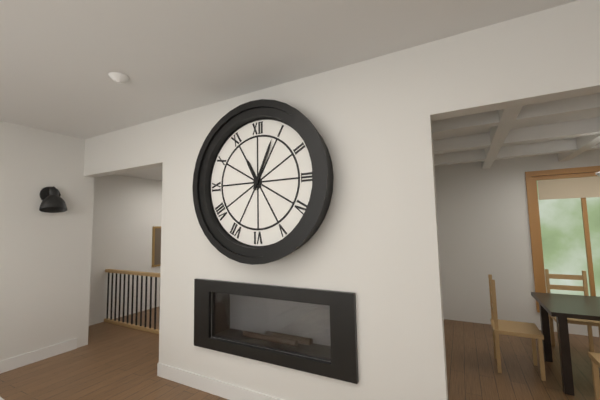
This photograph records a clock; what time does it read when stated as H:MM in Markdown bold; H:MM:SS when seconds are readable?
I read **11:04**
